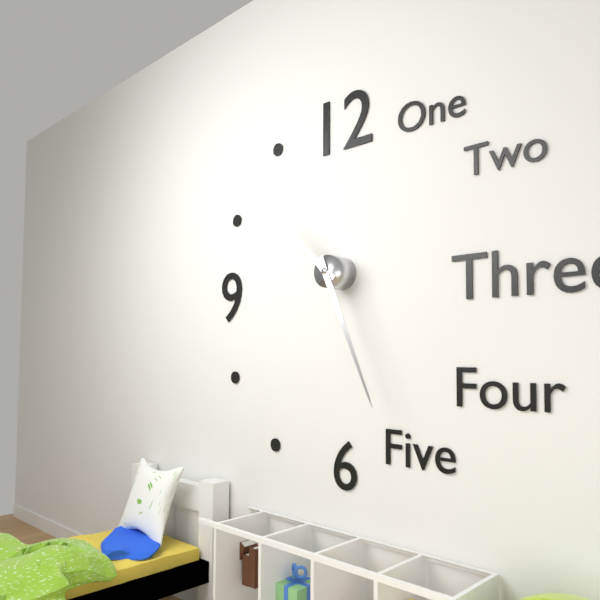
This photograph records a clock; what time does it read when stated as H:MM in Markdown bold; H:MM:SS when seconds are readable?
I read **10:26**
